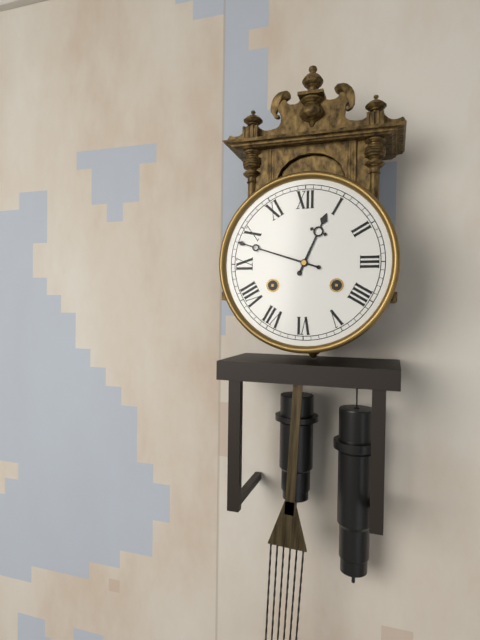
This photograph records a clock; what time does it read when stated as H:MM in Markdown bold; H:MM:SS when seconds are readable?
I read **12:48**
